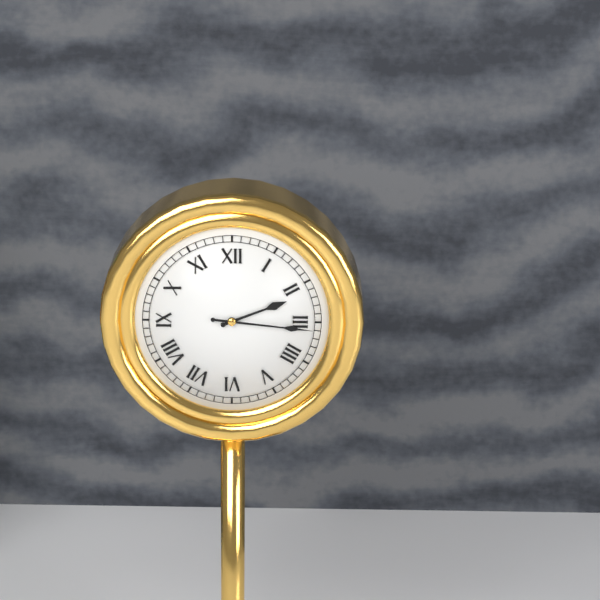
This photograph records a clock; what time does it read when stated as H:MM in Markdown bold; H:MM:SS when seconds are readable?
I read **2:16**
